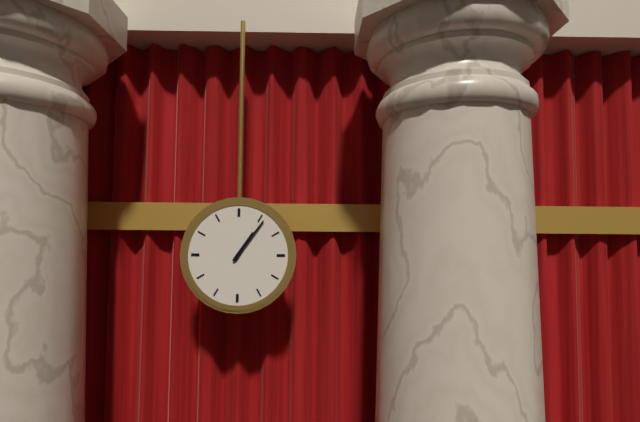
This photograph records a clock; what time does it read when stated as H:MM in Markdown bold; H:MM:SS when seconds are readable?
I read **1:06**
